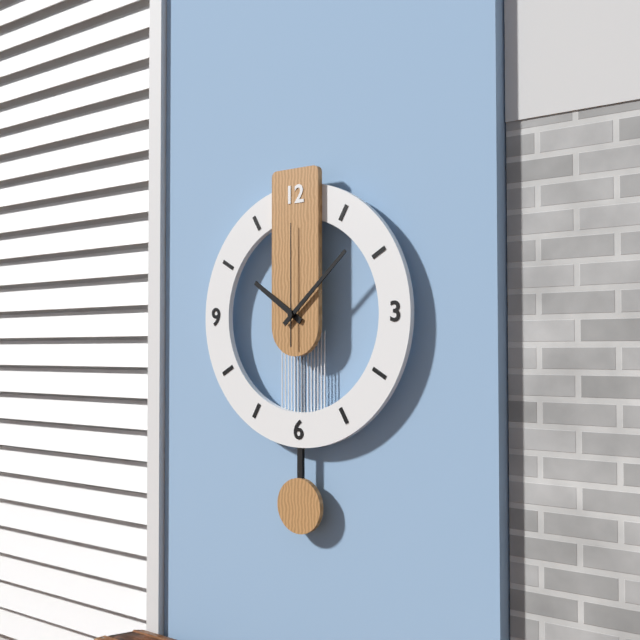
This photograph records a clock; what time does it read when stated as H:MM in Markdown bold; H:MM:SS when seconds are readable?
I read **10:08:00**
